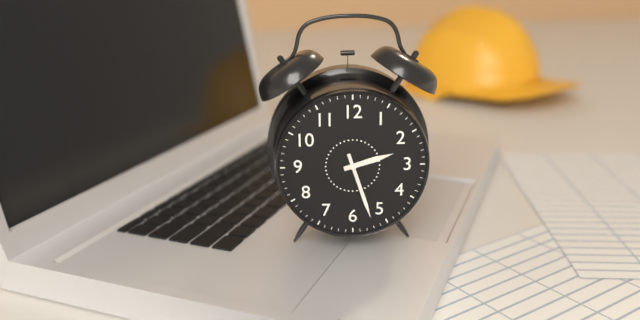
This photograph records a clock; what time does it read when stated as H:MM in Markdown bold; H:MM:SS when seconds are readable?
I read **2:27**
